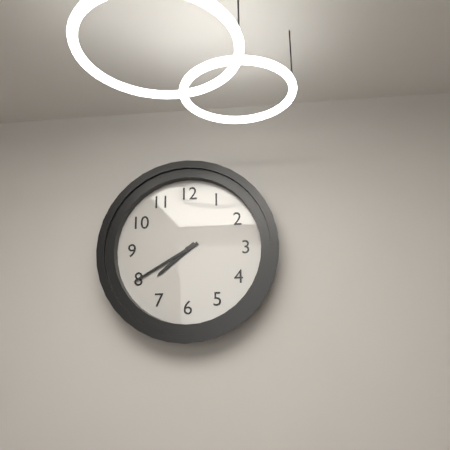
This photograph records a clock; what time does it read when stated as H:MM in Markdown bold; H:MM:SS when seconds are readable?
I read **7:40**
